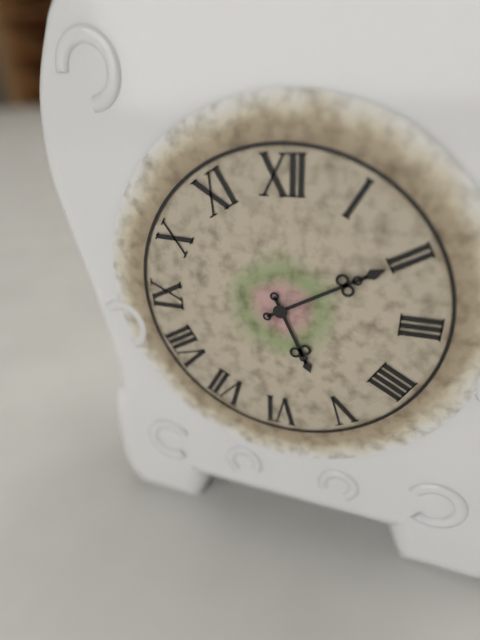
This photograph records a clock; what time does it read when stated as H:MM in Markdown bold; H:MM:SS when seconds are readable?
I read **5:10**
